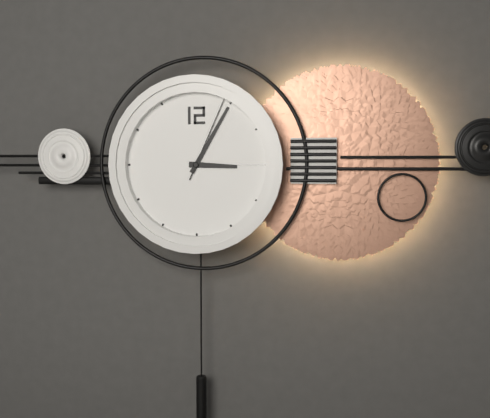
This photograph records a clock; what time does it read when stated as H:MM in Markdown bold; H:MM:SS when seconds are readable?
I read **3:05:04**
